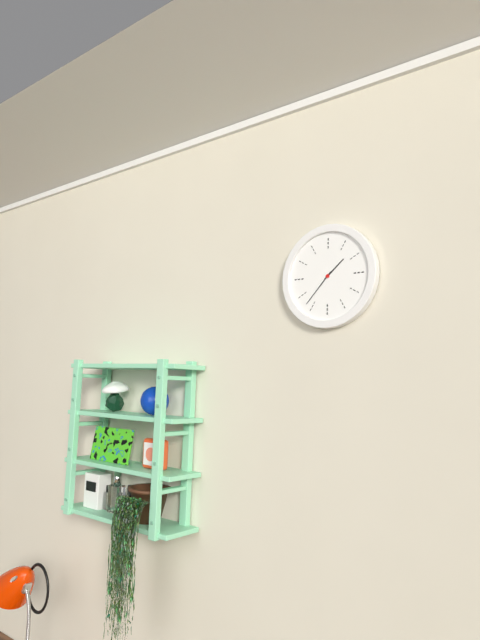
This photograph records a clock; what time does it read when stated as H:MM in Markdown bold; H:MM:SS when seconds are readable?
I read **1:37**
